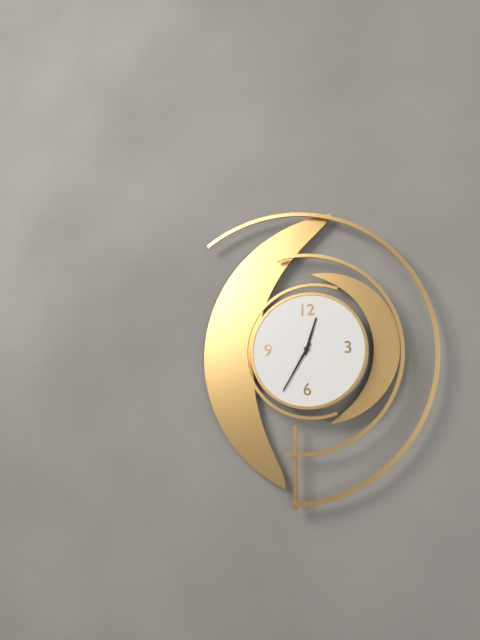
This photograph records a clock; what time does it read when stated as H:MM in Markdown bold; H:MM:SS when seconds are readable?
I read **12:35**
